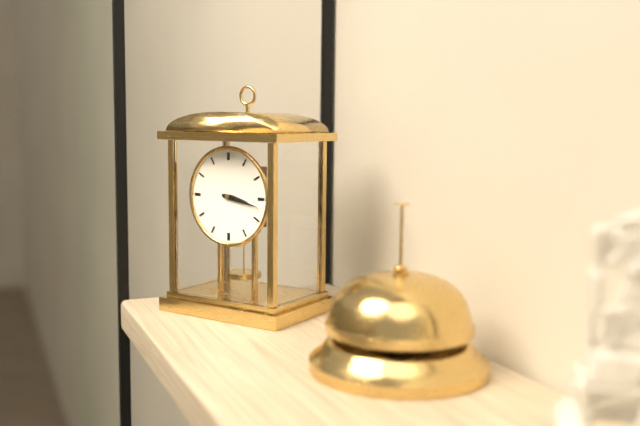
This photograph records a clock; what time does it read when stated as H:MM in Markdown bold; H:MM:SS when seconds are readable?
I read **3:17**
